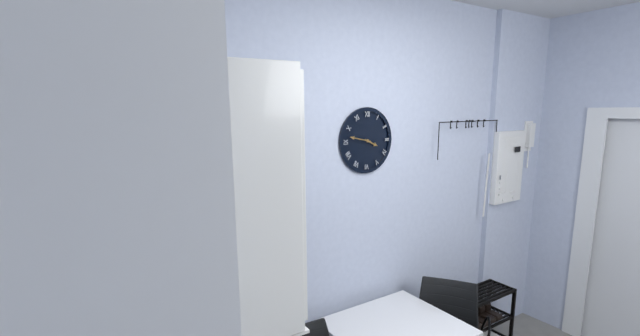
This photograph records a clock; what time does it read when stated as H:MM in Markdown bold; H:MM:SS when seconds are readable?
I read **3:47**
